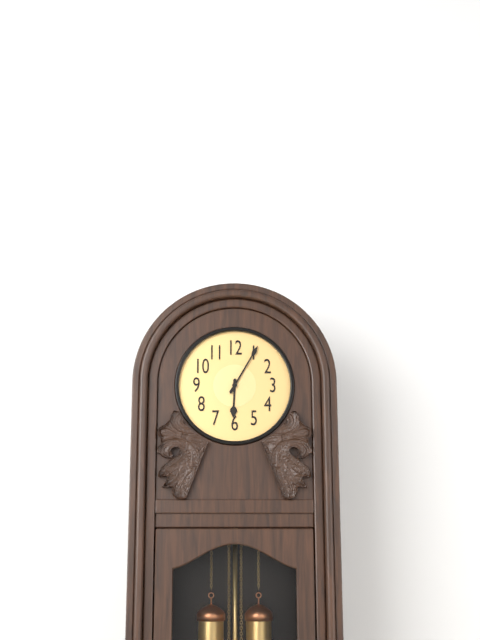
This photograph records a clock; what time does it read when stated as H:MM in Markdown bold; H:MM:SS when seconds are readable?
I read **6:05**
